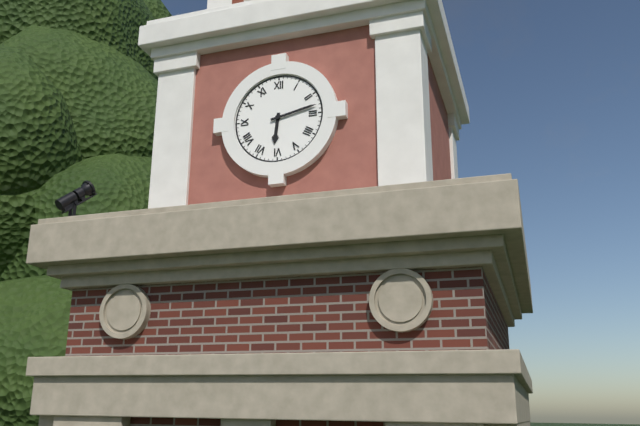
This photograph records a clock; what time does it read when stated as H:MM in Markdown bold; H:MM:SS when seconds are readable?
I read **6:13**
